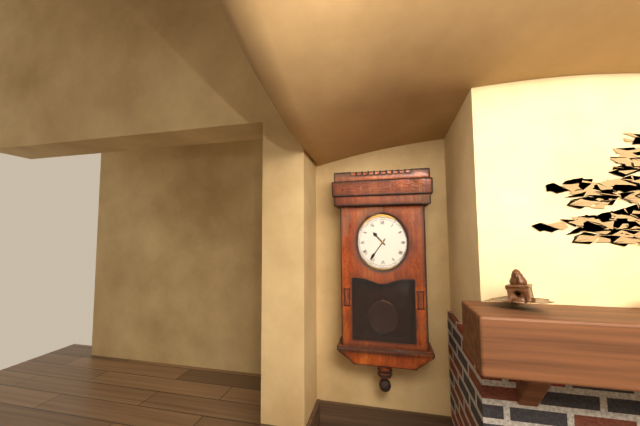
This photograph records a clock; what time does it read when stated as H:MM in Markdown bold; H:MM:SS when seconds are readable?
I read **10:36**
